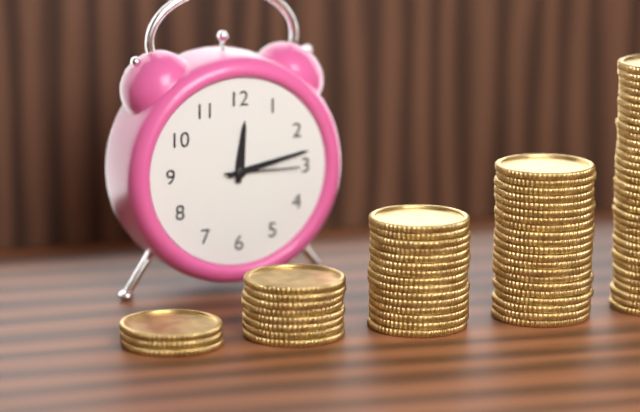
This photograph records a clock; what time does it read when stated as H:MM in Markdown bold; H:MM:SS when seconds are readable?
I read **12:13:15**
